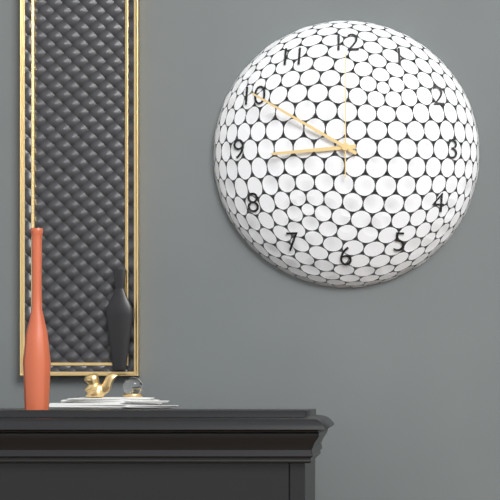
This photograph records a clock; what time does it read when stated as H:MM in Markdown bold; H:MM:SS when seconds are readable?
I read **8:50:00**
